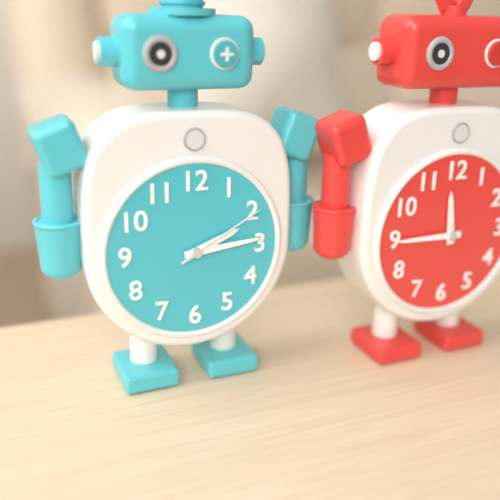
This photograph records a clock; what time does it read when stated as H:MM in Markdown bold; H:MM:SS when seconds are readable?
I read **2:14:10**
